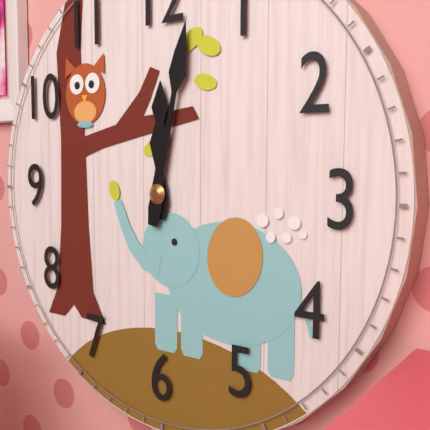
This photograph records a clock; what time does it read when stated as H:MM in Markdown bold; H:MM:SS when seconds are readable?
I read **12:02**
